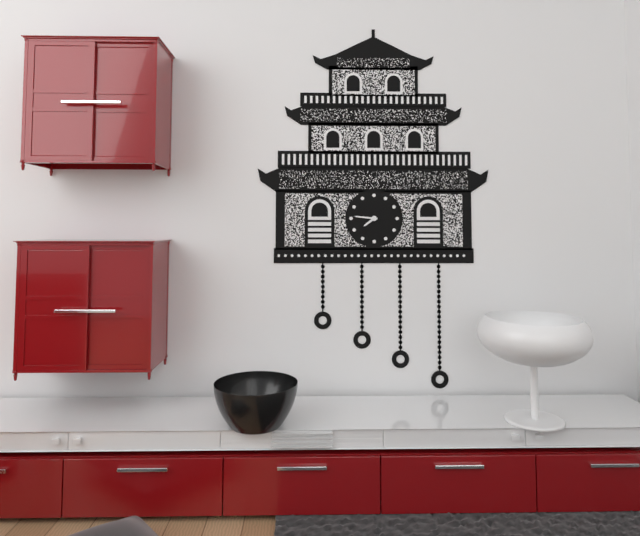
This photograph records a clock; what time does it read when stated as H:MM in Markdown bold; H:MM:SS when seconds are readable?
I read **7:46**
